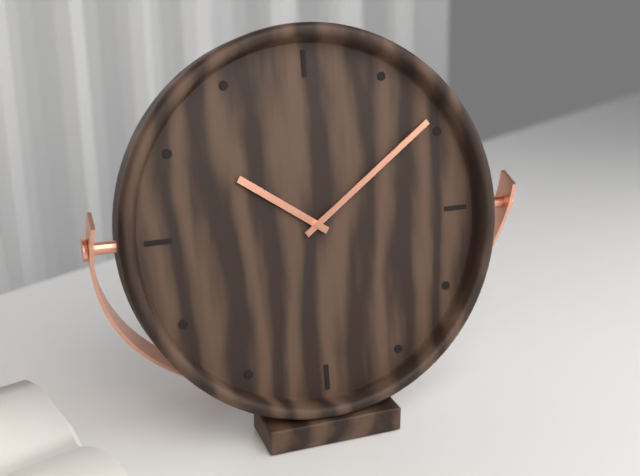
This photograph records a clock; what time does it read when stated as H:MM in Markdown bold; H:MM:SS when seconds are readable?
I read **10:09**
